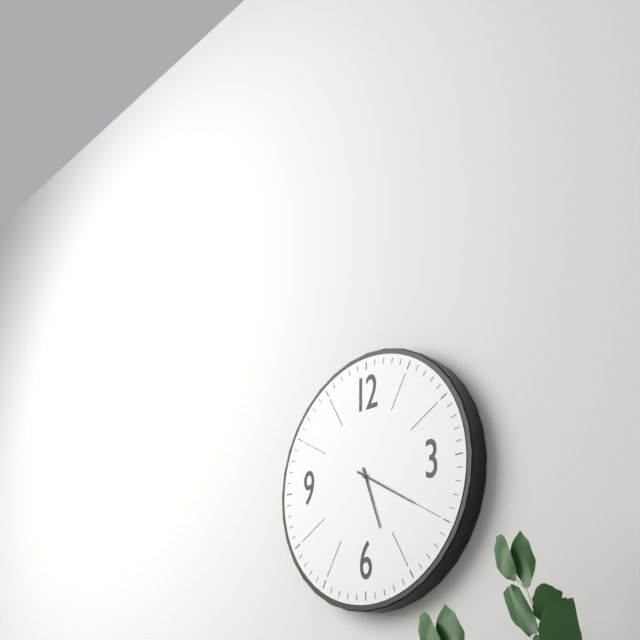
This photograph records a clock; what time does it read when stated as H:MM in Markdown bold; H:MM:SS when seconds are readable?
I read **5:20**
